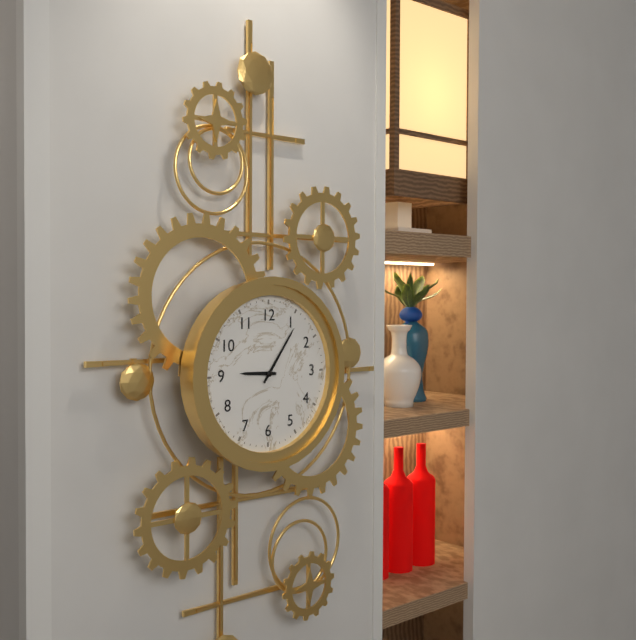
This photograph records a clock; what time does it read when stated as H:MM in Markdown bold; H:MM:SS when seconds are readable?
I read **9:06**
